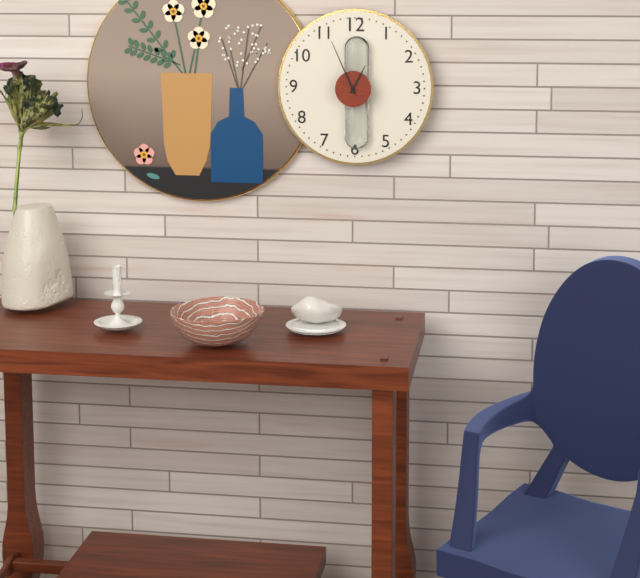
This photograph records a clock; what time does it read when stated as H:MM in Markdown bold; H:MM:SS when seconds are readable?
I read **12:56**
